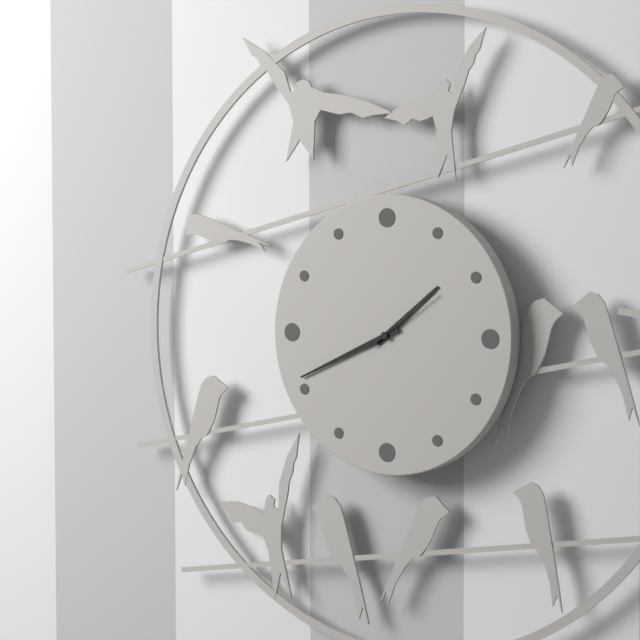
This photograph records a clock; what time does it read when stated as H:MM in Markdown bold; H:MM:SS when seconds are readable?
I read **1:41:09**
